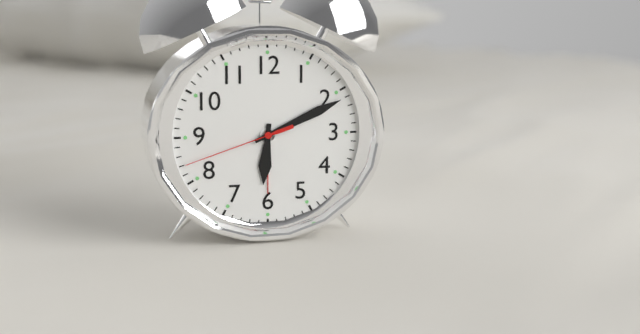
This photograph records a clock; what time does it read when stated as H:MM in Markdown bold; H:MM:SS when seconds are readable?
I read **6:11:42**
